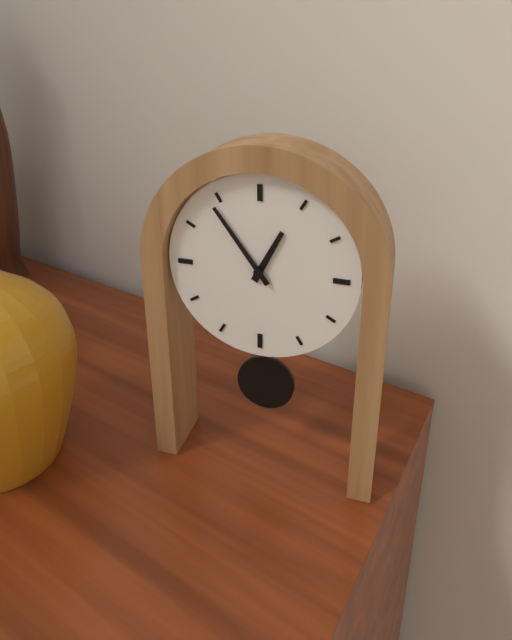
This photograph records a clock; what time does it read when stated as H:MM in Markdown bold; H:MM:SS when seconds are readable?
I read **12:54**
